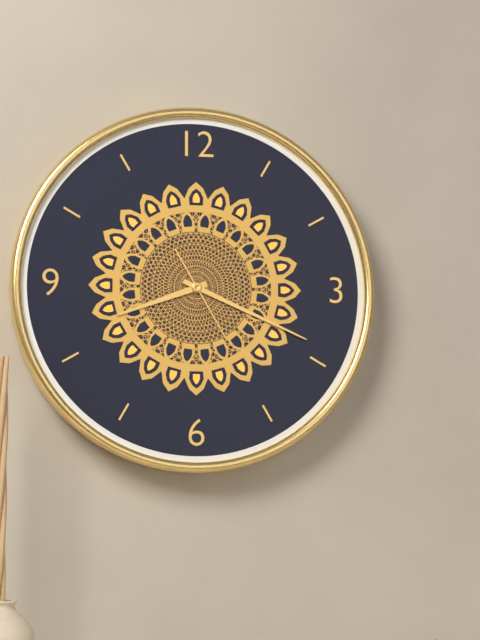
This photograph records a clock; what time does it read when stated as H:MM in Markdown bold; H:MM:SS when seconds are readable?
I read **8:19:25**
